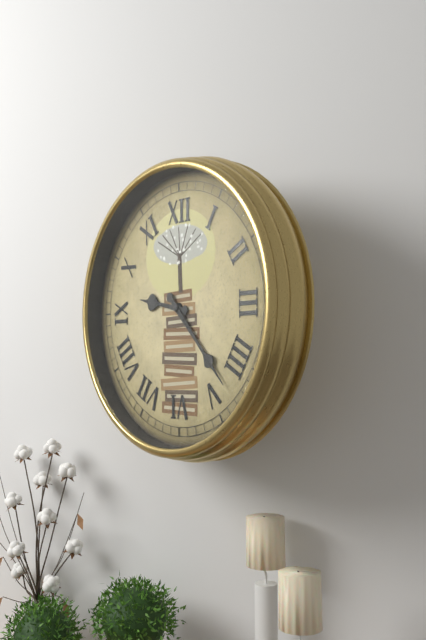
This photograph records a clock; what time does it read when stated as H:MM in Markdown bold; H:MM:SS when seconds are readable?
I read **9:23**
